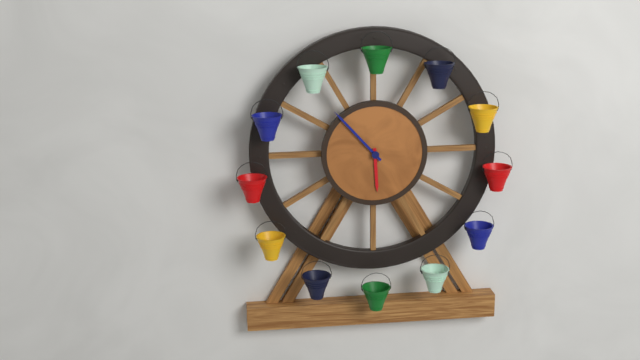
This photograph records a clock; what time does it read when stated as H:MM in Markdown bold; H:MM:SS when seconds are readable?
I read **5:53**
